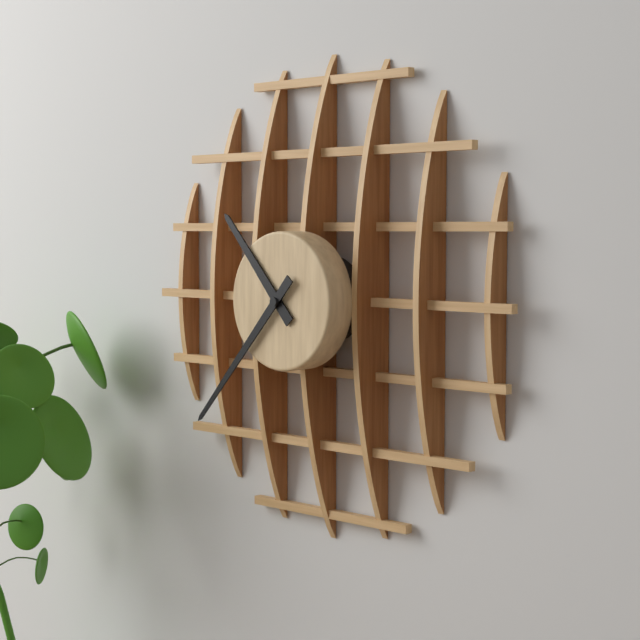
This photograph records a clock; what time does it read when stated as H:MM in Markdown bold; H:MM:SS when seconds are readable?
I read **10:37**
